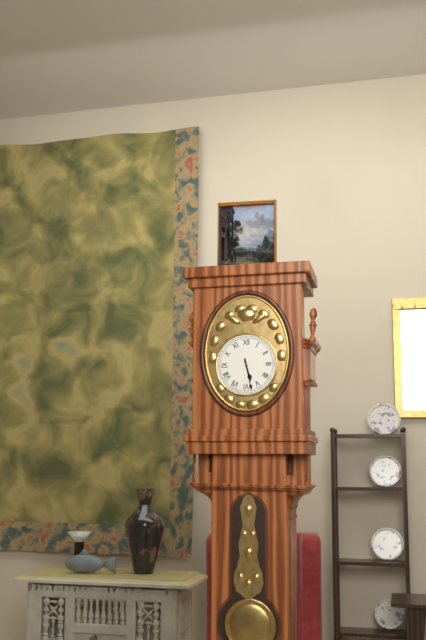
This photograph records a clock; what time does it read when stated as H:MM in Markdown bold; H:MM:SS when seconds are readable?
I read **5:28**
